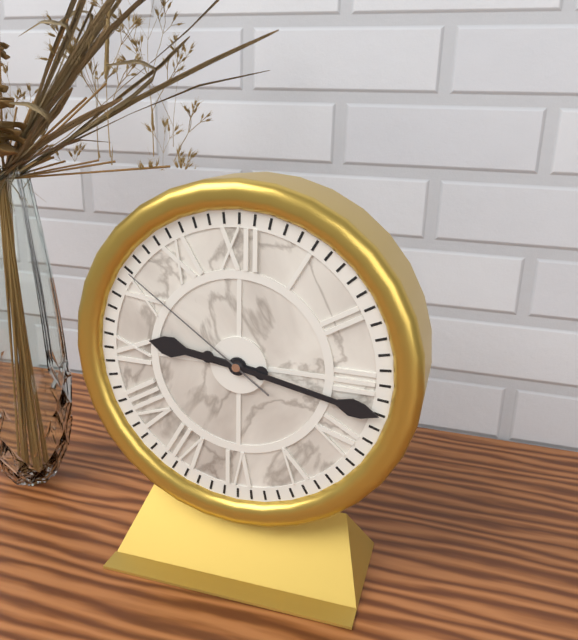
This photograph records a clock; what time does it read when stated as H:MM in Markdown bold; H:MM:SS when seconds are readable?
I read **9:17:51**
